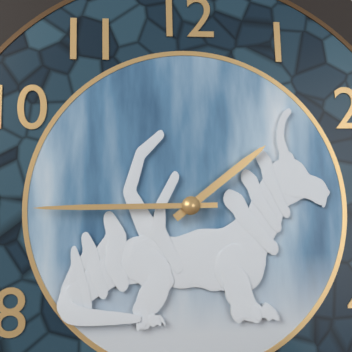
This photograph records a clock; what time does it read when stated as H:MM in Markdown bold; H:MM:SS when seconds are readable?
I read **1:45**
